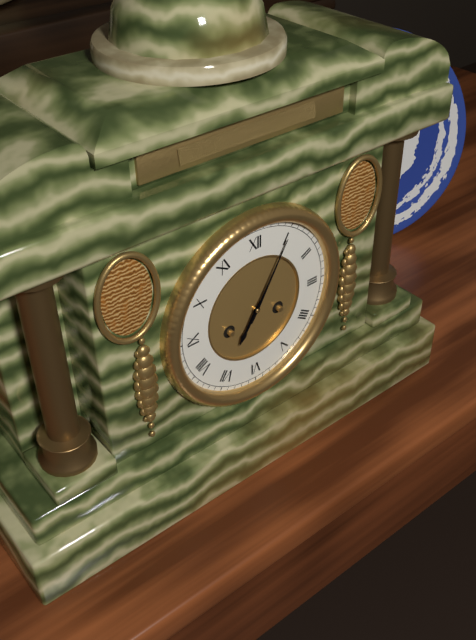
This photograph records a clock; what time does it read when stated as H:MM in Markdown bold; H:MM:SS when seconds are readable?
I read **7:05**
